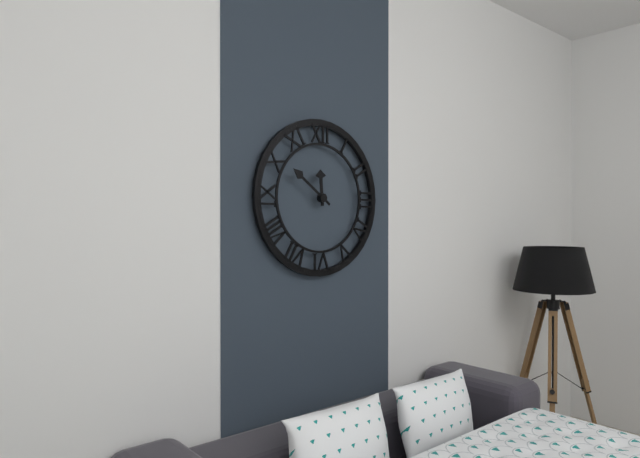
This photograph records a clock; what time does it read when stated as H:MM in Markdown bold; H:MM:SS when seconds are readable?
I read **11:51**
